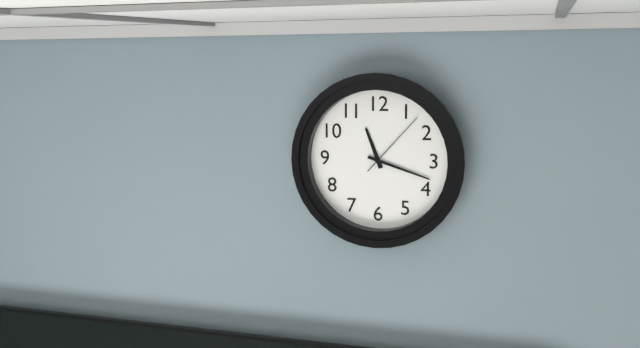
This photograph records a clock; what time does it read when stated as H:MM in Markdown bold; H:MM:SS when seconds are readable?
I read **11:18:07**
